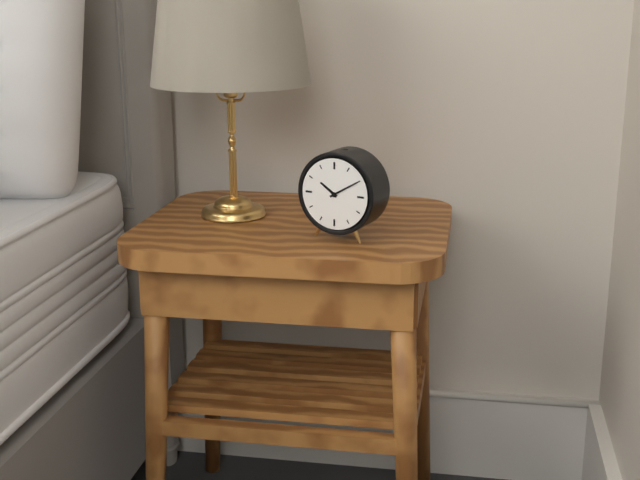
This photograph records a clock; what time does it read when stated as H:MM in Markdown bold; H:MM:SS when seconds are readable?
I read **10:10**
